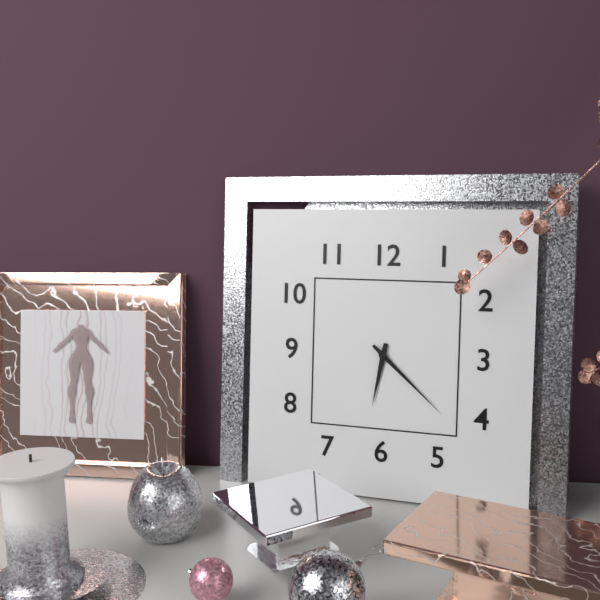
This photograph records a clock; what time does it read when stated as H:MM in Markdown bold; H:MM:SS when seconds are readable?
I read **6:22**
